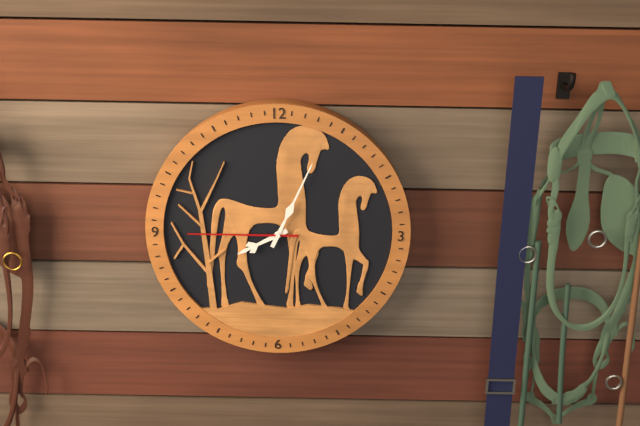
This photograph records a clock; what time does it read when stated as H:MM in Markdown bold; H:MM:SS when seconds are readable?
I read **8:04:45**
